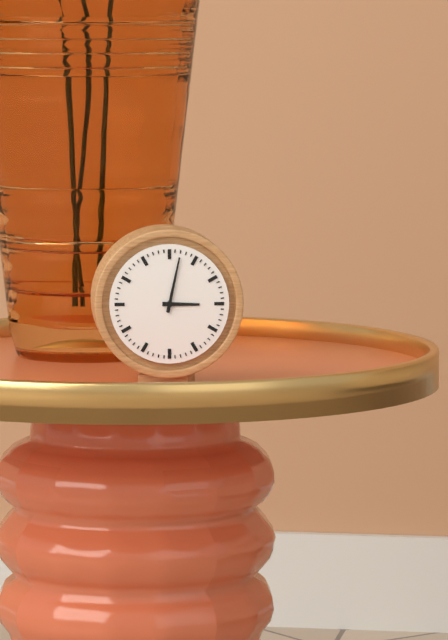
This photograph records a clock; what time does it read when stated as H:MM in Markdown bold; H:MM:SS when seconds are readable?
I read **3:02**
